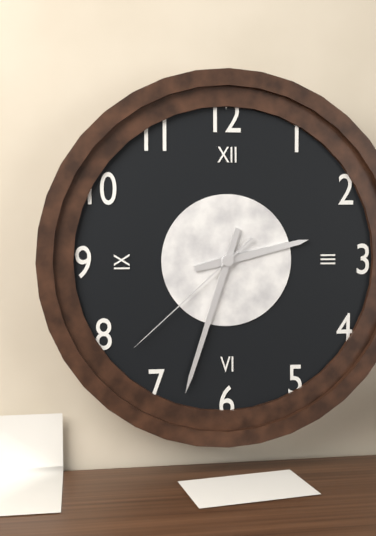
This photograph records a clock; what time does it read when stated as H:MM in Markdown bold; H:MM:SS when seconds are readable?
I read **2:33:38**
